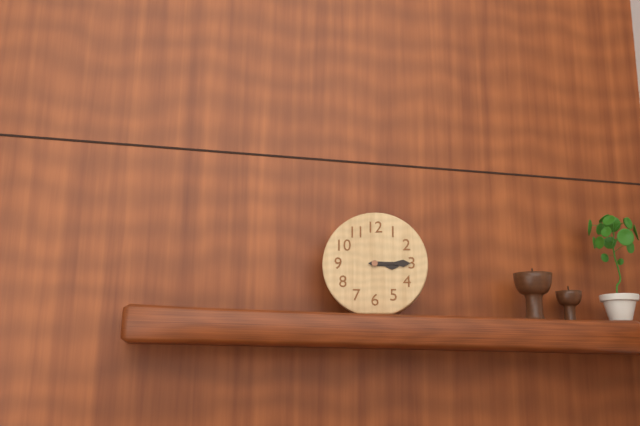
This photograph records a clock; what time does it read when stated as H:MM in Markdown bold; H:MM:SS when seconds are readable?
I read **3:15**
